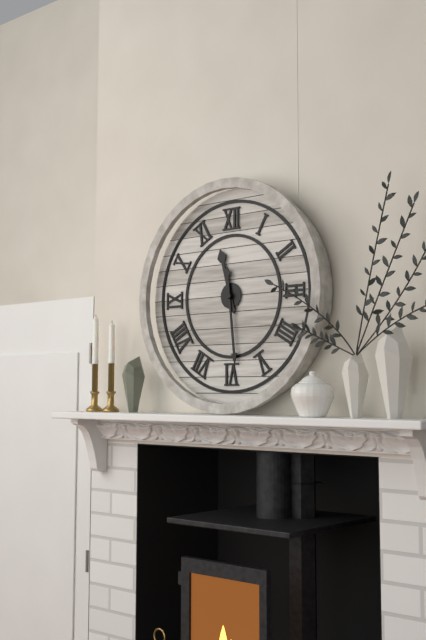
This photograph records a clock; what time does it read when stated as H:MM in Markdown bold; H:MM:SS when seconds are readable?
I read **11:29**
